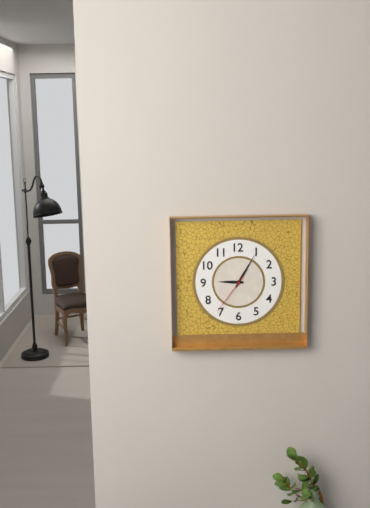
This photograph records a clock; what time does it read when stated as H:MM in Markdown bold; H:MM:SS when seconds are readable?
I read **9:05**
